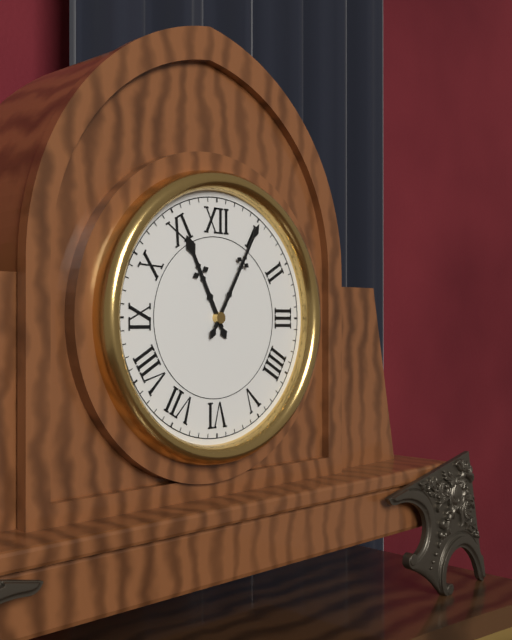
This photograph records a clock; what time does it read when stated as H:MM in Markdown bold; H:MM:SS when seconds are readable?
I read **11:05**
